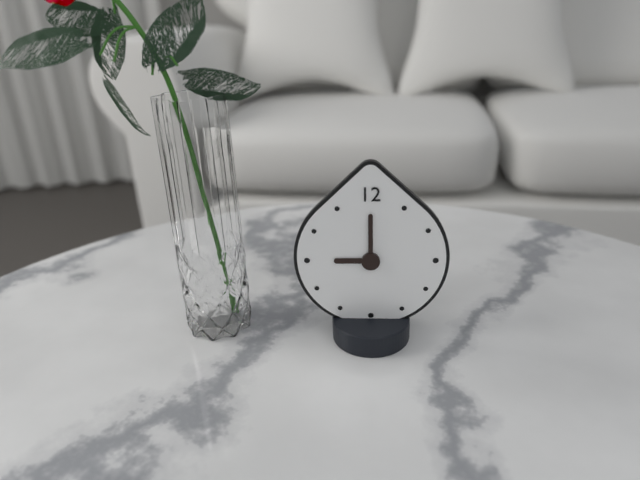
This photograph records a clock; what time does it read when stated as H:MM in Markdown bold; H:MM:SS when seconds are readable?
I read **9:00**
